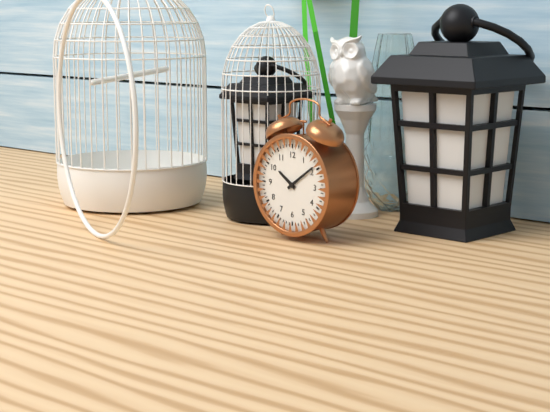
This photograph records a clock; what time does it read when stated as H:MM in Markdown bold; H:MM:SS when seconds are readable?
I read **10:09**
